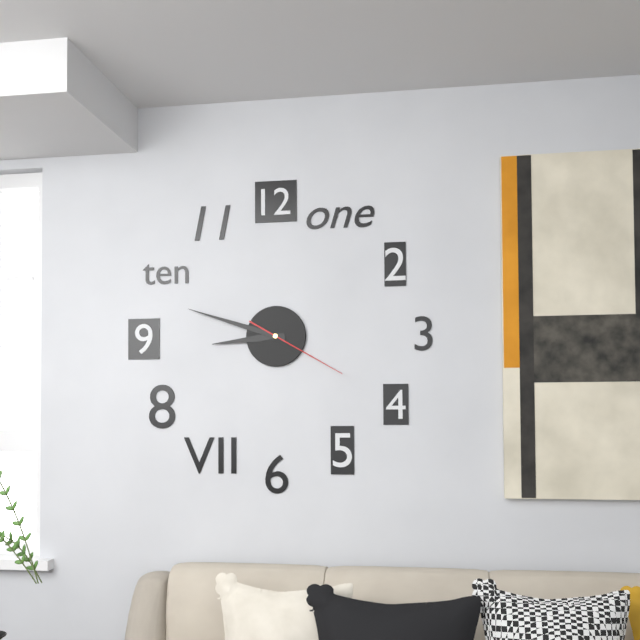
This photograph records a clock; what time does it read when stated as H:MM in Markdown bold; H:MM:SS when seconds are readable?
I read **8:48:20**
